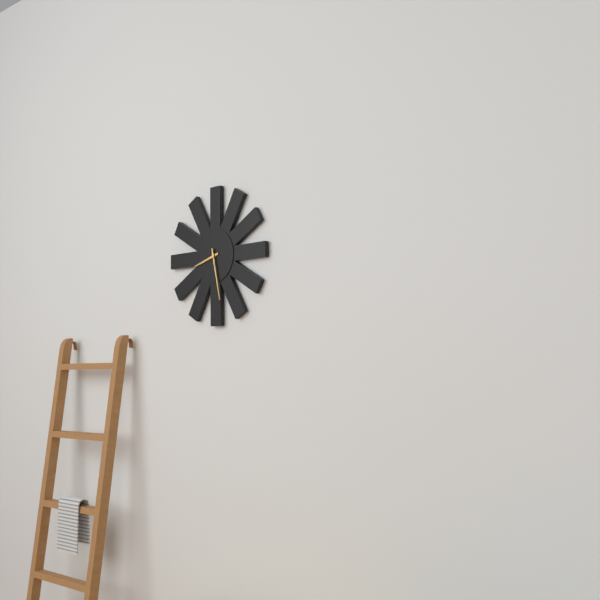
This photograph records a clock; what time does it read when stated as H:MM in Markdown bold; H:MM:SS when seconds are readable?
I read **8:28**
